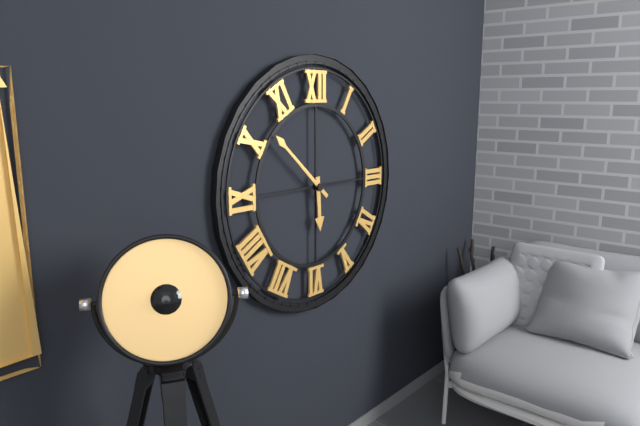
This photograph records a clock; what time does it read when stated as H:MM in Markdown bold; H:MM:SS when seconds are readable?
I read **5:52**
